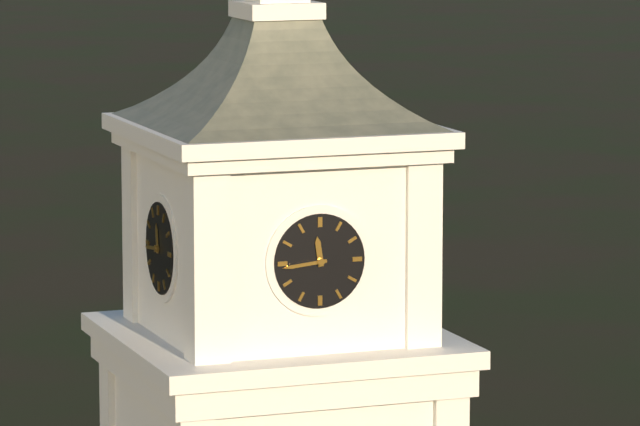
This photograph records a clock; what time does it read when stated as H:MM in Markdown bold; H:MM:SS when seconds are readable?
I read **11:44**
